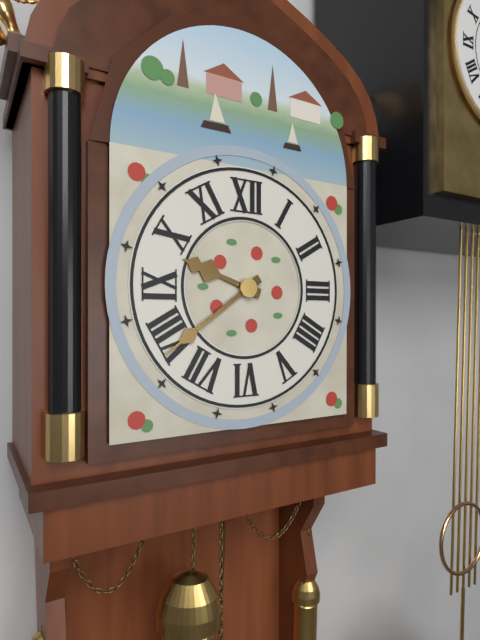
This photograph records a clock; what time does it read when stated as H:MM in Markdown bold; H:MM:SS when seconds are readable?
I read **9:39**
